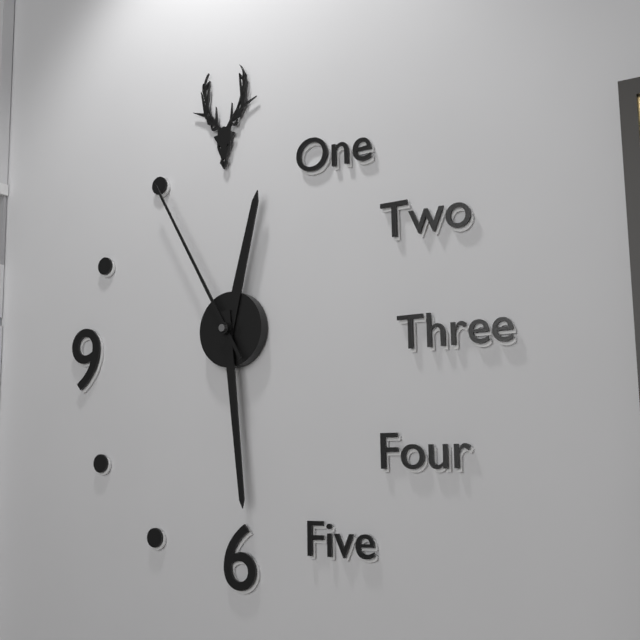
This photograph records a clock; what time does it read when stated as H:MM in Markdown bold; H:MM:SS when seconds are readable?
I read **12:29:55**
